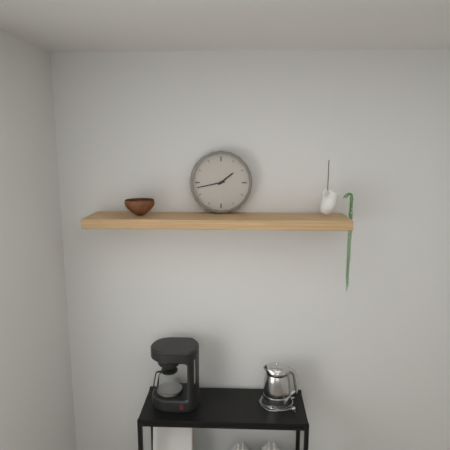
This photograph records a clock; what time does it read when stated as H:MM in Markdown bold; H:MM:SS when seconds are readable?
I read **1:43**
